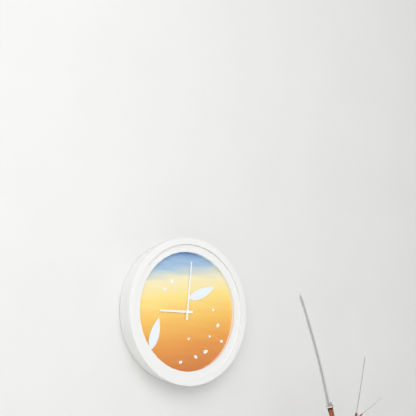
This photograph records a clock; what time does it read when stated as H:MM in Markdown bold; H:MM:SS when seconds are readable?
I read **9:01**
